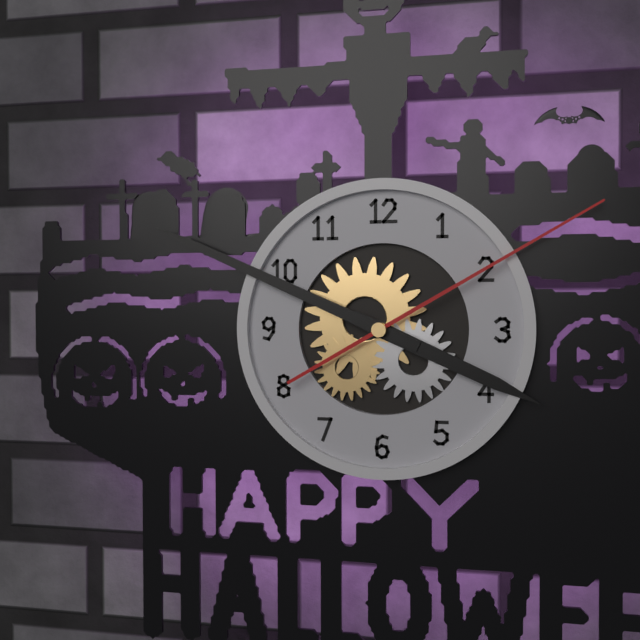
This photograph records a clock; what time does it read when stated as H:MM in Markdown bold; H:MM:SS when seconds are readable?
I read **3:49:10**
